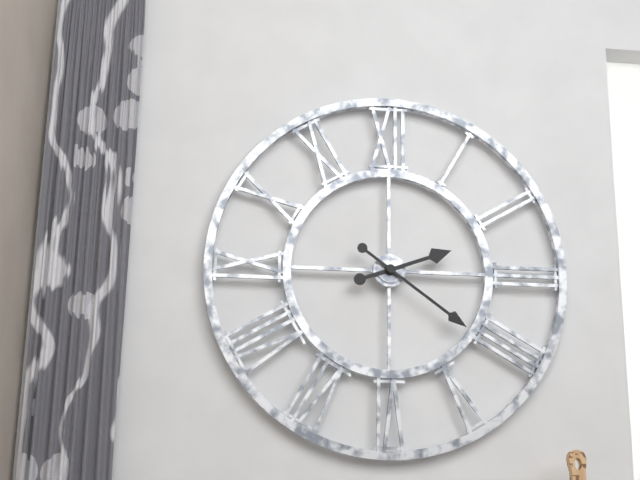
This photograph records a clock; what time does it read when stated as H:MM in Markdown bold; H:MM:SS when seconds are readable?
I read **2:21**
